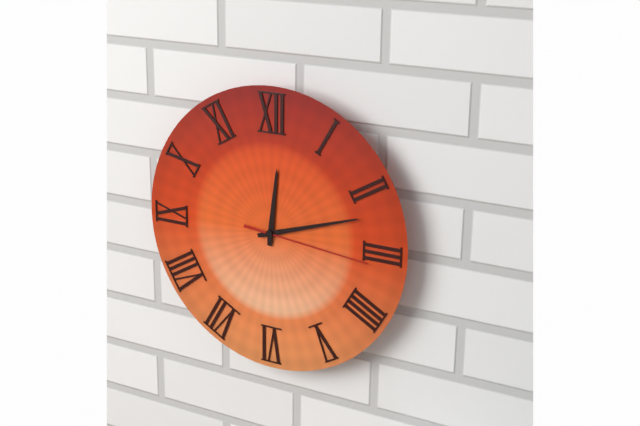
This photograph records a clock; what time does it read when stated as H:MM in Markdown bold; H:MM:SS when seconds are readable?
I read **12:12:16**
